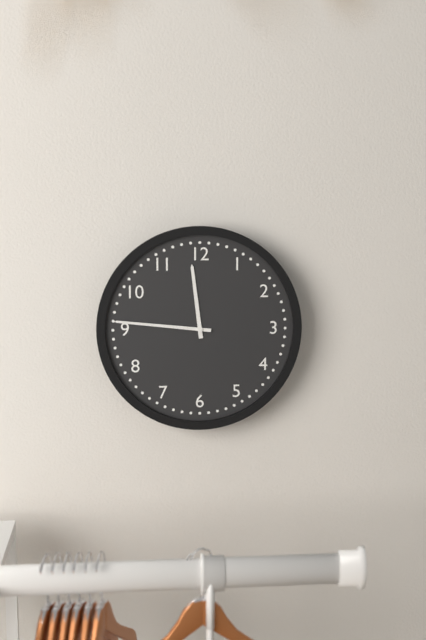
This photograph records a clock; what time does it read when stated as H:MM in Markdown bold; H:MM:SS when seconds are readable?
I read **11:46**
